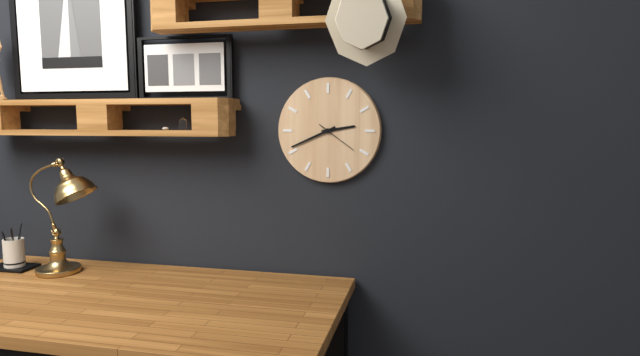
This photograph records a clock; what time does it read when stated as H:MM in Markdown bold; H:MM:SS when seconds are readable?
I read **2:41**
